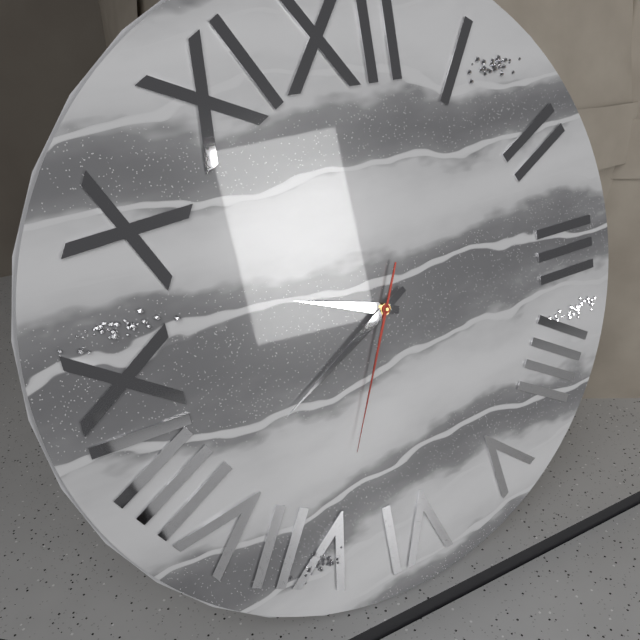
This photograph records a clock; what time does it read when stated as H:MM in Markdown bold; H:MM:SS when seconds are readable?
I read **9:40:34**
